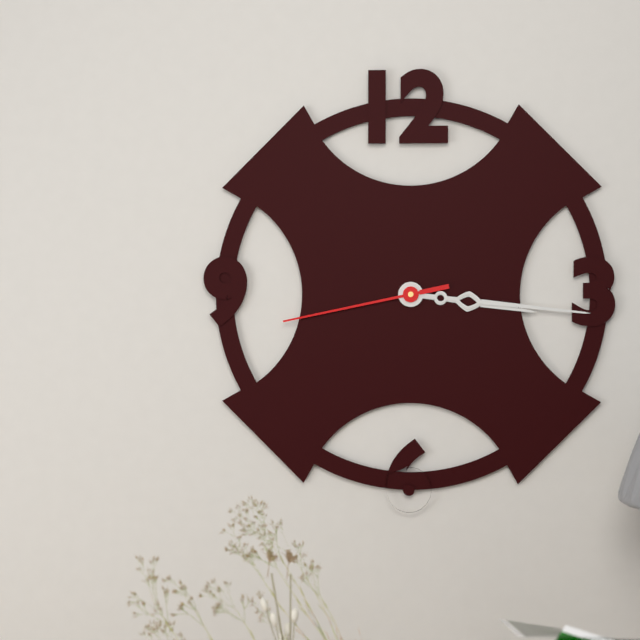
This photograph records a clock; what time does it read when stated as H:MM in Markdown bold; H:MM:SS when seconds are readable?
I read **3:16:43**
